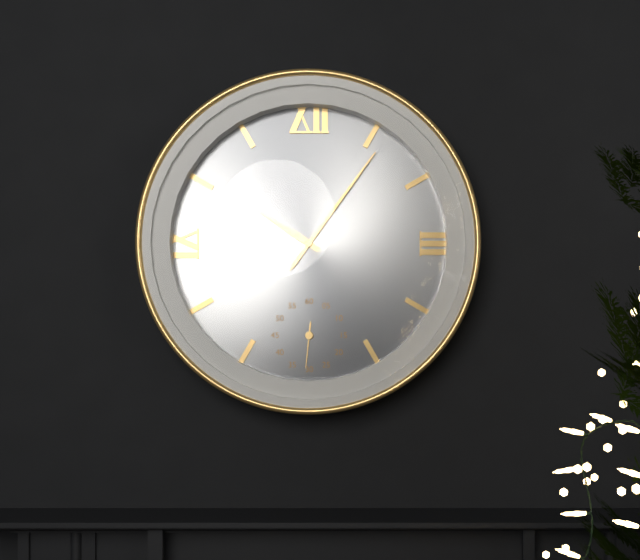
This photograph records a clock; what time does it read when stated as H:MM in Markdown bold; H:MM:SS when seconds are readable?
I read **10:06**
